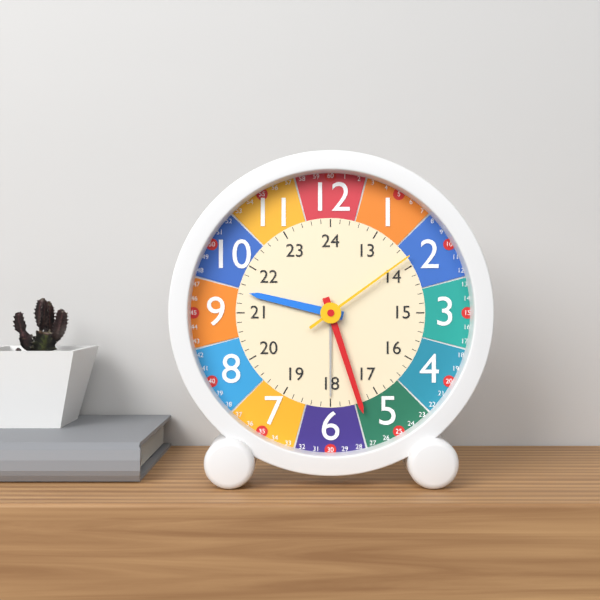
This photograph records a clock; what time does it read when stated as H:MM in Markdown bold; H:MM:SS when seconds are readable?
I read **9:27:09**
